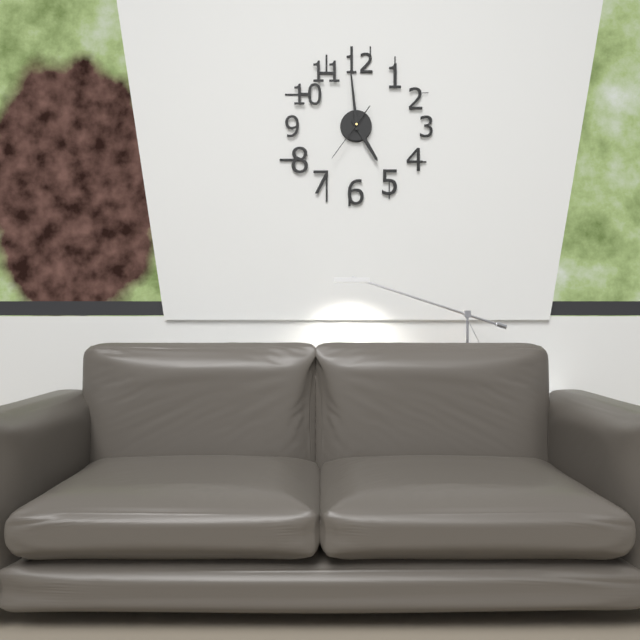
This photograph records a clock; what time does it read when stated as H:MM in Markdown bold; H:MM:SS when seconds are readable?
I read **4:59:36**
